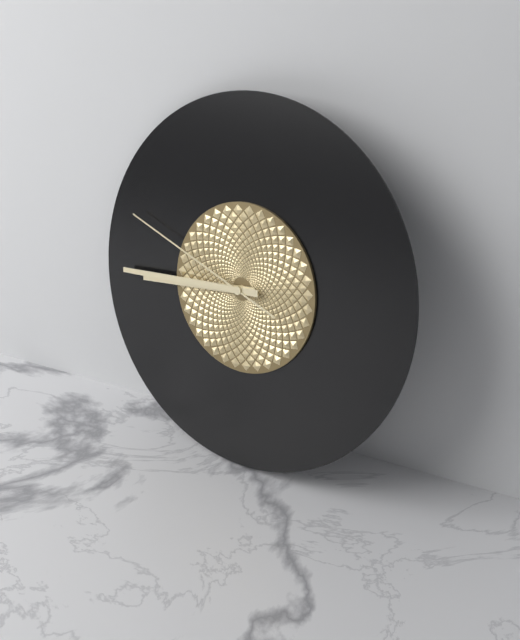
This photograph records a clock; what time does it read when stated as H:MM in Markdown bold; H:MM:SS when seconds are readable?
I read **8:44:48**
